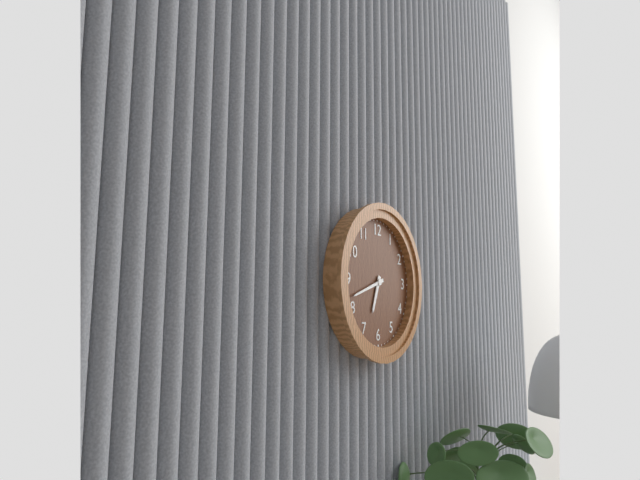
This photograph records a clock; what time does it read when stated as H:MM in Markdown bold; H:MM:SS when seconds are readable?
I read **6:42**
